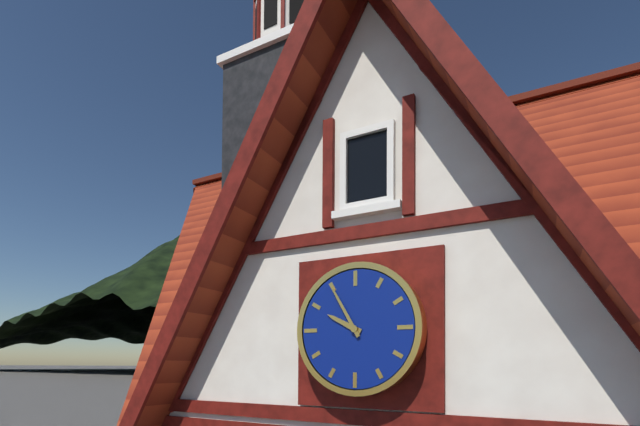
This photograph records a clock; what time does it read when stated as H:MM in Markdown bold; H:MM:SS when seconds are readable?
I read **9:55**
